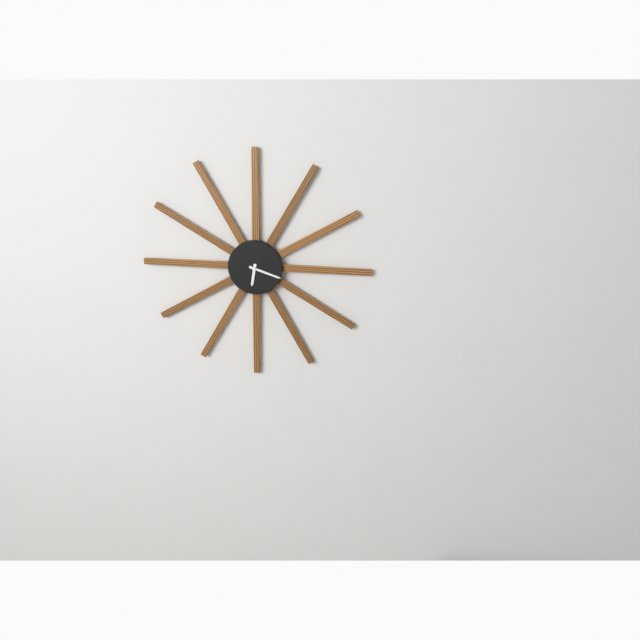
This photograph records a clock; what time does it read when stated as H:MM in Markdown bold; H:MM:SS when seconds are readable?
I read **6:18**
